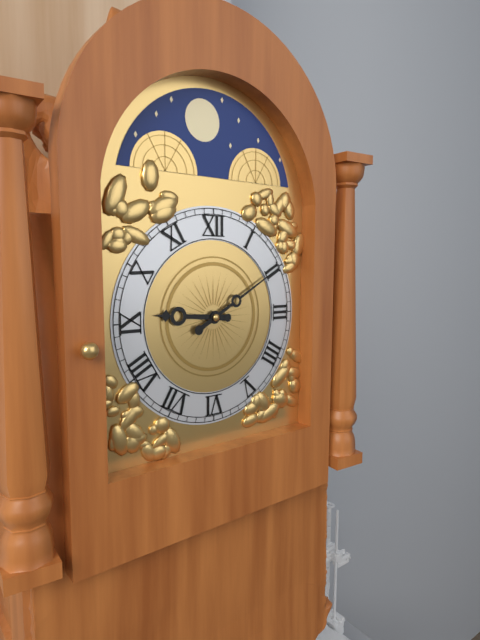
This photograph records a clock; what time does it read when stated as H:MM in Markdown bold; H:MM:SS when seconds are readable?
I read **9:10**
